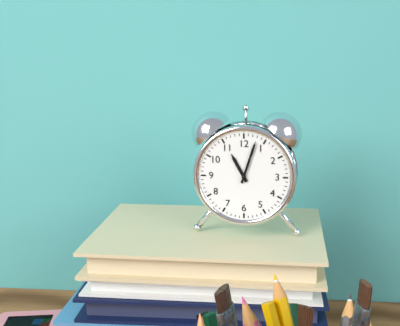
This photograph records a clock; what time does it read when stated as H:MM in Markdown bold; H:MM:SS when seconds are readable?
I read **11:03**
